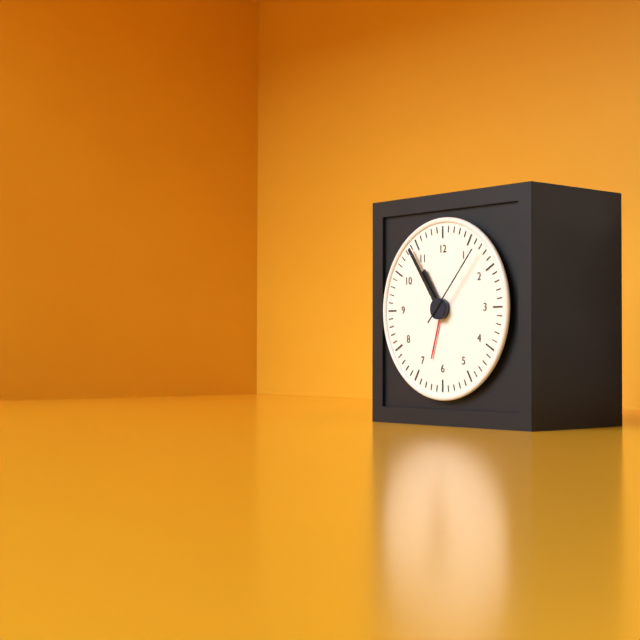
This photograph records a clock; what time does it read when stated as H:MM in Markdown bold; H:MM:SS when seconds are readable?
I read **10:54:07**
